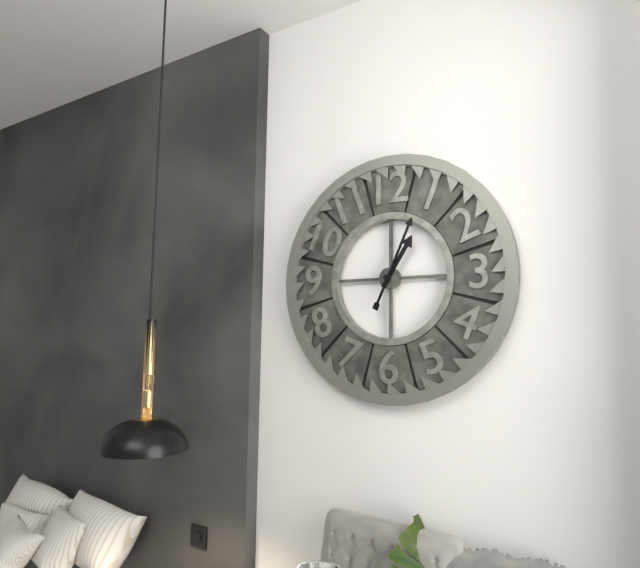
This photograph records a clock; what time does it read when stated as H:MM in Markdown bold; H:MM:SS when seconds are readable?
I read **1:04**
